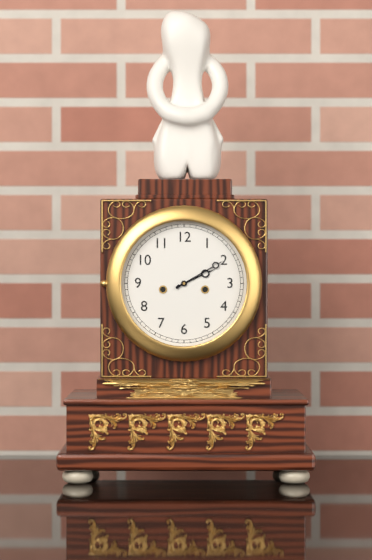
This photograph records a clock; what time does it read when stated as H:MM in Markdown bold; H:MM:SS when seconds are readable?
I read **2:10**
